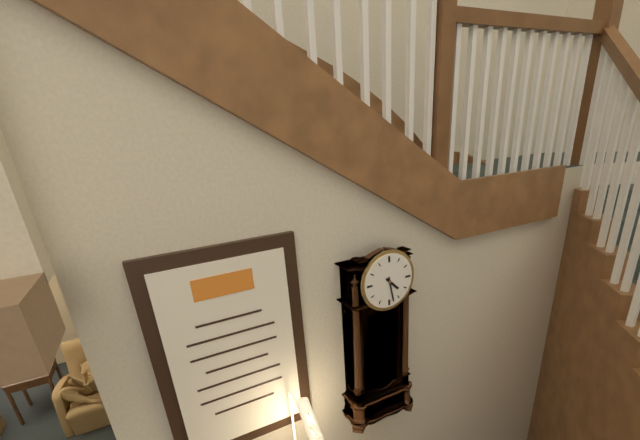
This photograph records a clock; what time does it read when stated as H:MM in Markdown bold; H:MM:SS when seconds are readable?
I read **4:28**
